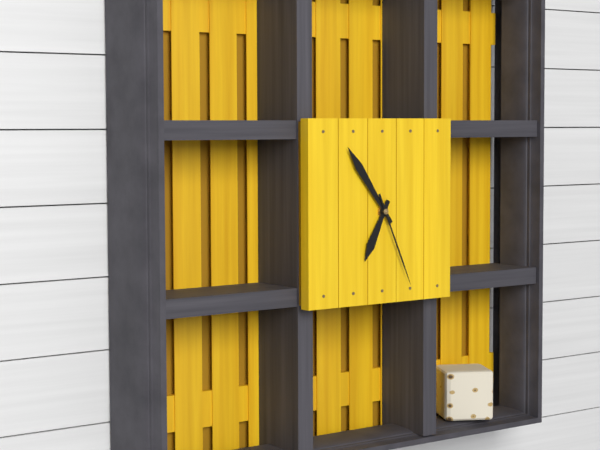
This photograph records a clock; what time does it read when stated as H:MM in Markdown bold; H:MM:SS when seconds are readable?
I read **6:54:26**
